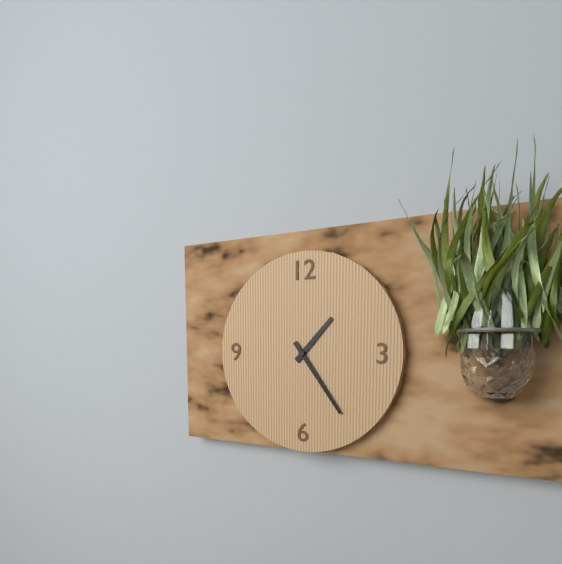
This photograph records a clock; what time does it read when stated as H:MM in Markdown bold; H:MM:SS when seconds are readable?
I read **1:24**
